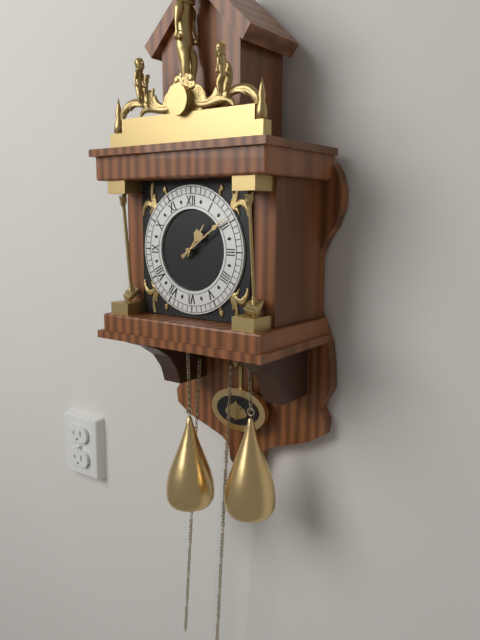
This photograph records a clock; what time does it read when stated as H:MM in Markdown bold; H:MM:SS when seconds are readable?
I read **1:09**
